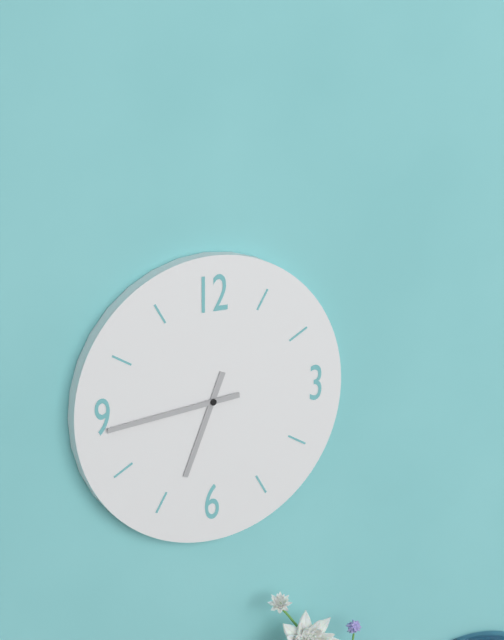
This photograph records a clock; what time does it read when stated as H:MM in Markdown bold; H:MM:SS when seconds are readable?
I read **6:44**
